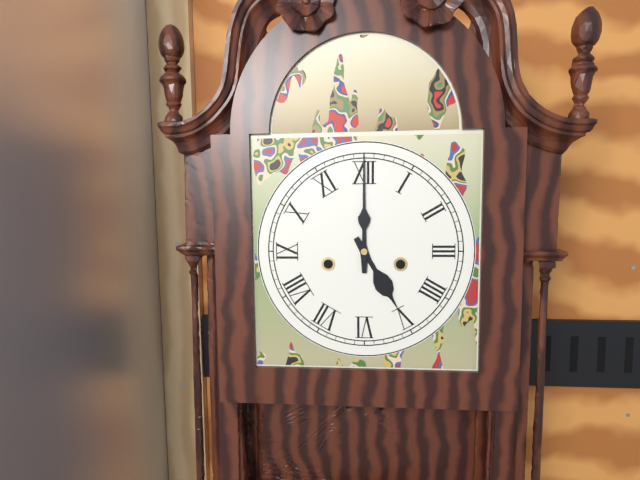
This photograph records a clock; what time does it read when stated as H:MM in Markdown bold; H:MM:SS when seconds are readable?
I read **5:00**
